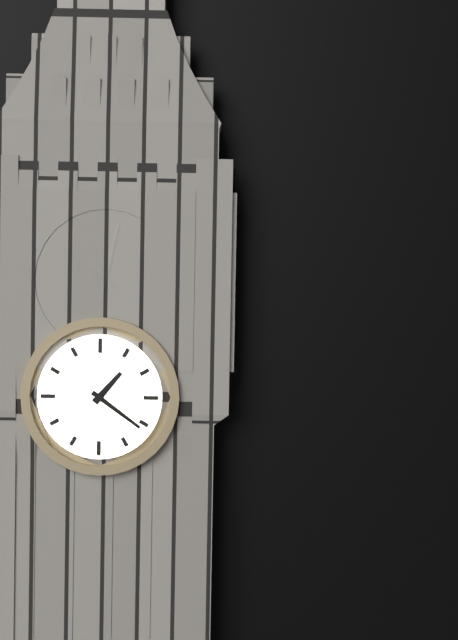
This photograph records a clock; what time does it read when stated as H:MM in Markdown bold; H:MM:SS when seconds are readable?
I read **1:21**
